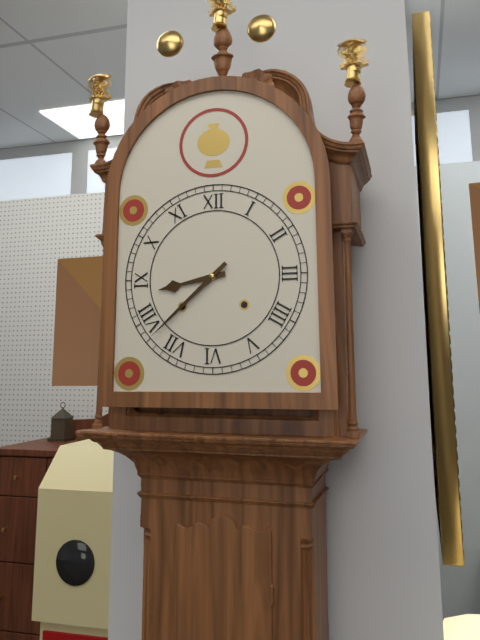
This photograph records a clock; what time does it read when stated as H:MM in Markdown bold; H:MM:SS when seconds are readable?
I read **8:38**
